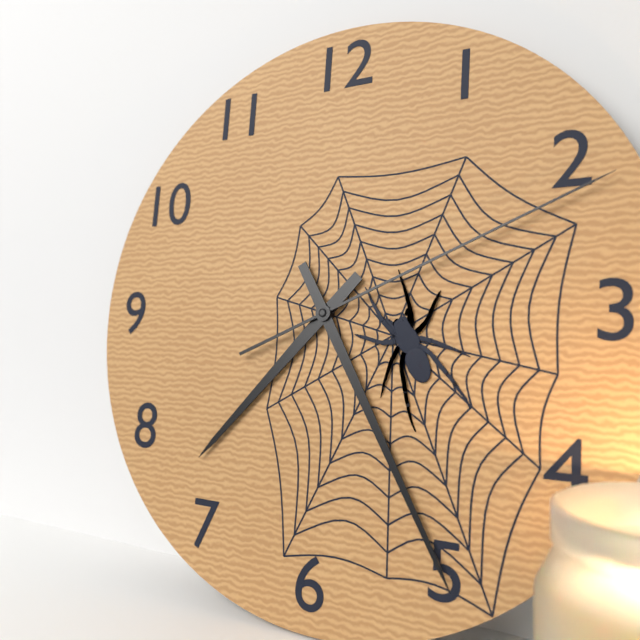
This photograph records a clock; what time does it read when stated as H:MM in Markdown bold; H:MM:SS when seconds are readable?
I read **7:25:11**
